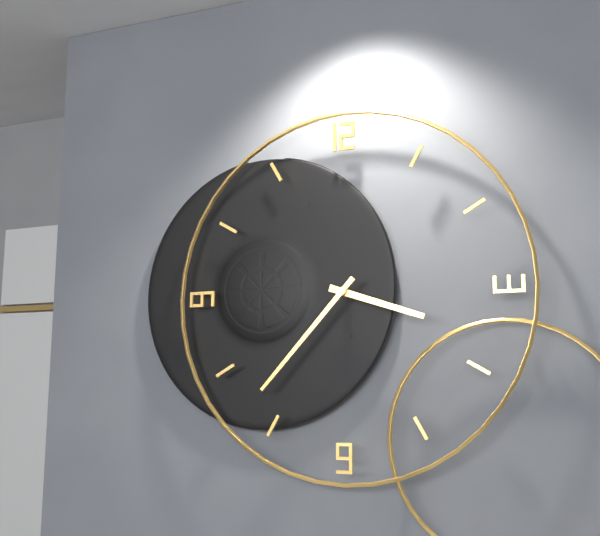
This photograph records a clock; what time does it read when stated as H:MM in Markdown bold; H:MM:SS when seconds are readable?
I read **3:37**
